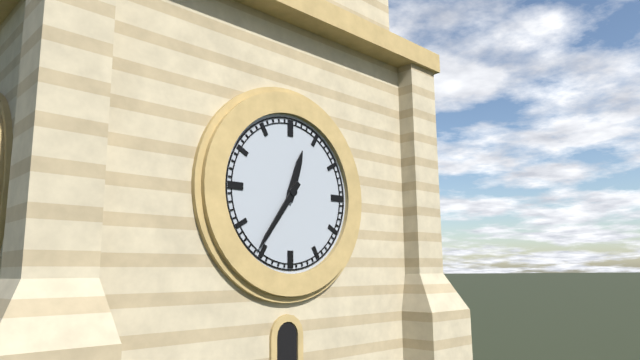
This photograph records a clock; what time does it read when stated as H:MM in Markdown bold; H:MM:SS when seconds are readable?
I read **12:36**
